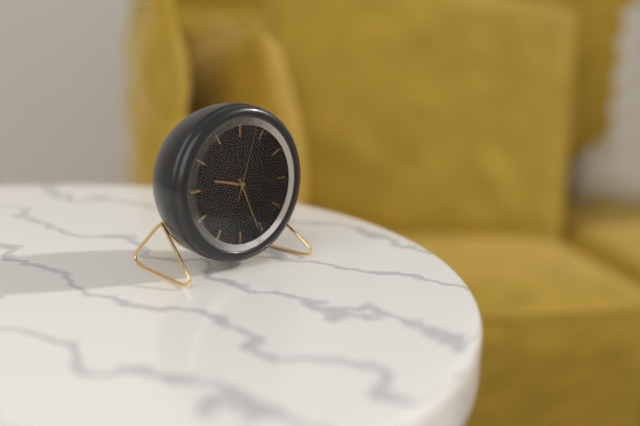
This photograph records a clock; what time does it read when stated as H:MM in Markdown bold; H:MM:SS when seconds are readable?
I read **9:26:03**
